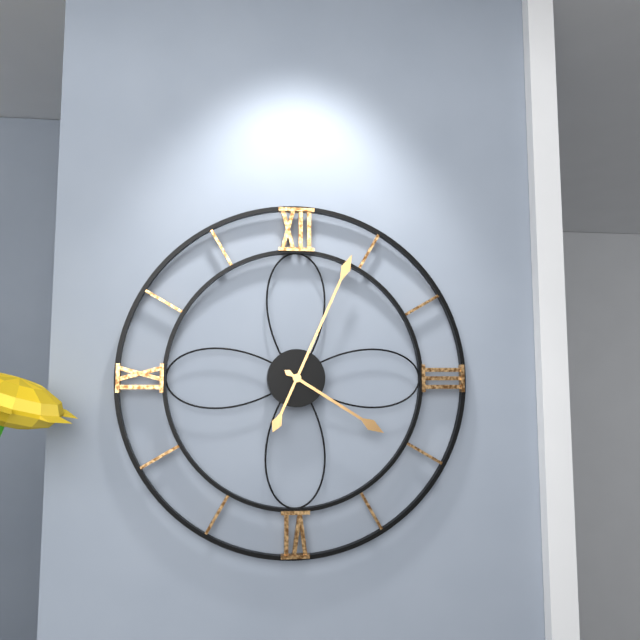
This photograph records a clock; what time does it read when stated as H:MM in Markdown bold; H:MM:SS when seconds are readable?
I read **4:04**
